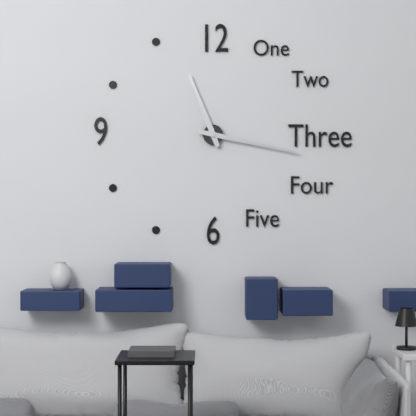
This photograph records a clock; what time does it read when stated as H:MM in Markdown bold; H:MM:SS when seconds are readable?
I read **11:17**
